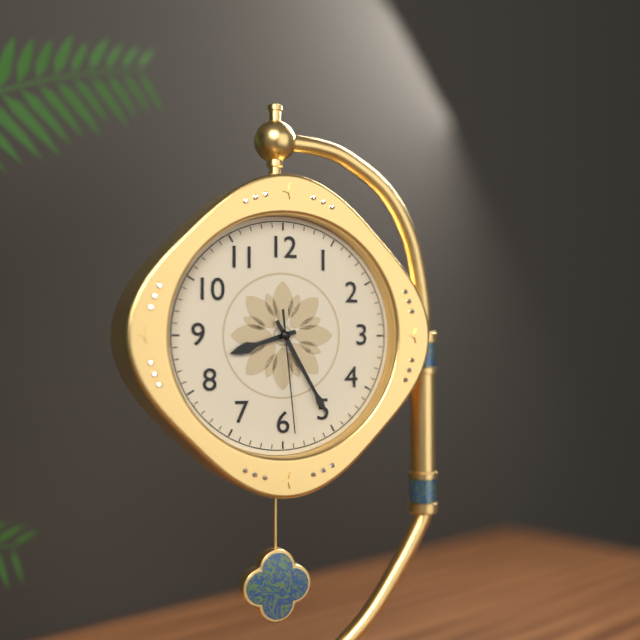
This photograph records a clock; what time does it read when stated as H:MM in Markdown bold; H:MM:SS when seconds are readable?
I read **8:25:29**
